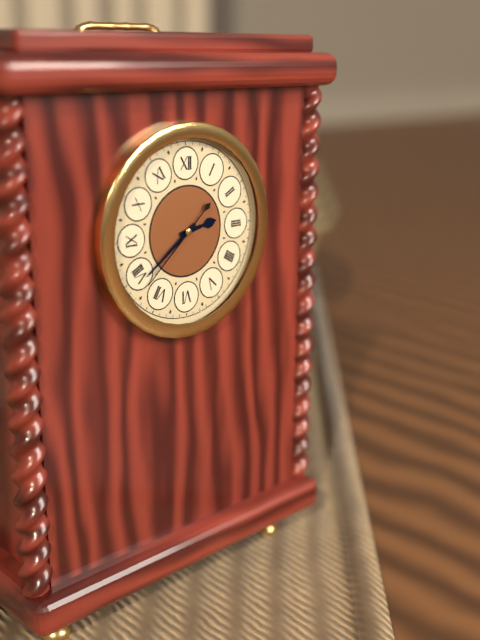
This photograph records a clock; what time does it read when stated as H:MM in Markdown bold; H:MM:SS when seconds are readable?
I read **2:39:38**
